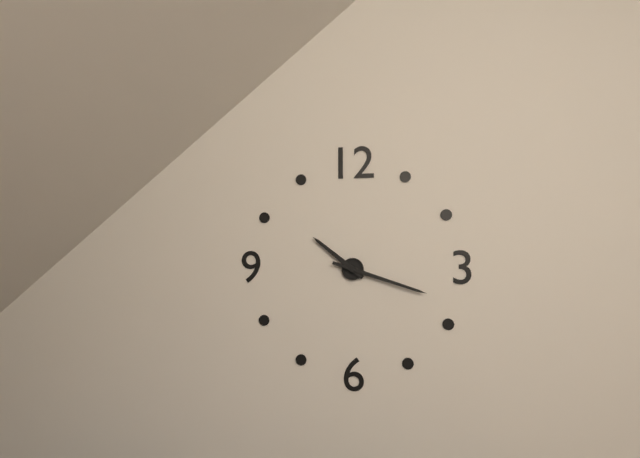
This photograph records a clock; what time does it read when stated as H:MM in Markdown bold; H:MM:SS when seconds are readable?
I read **10:18**
